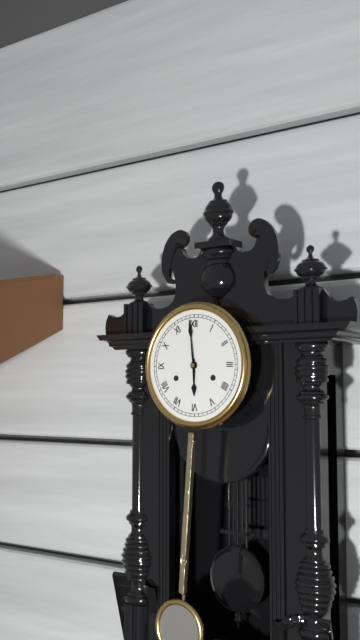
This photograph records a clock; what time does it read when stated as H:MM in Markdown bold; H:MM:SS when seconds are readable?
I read **5:59**
